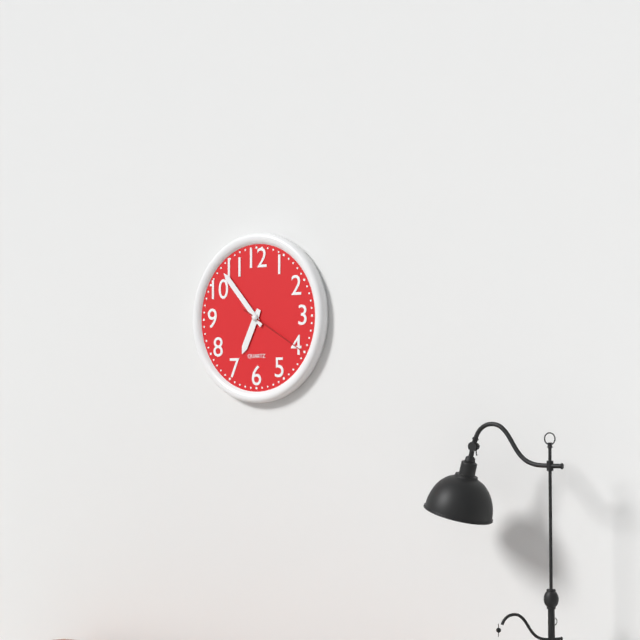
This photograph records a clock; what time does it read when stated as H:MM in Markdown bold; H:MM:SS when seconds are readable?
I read **6:53:20**
